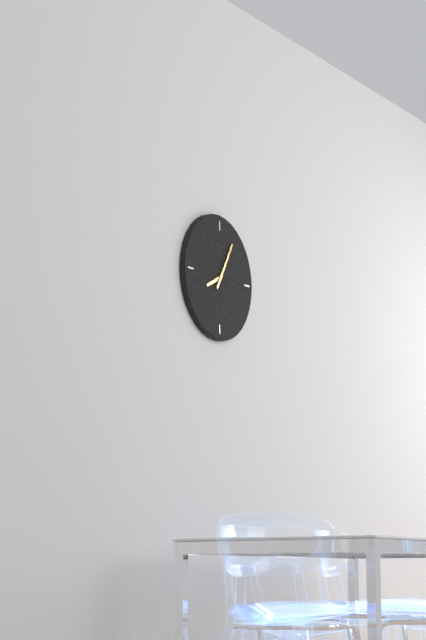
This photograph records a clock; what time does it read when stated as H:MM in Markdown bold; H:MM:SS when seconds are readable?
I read **8:05**
